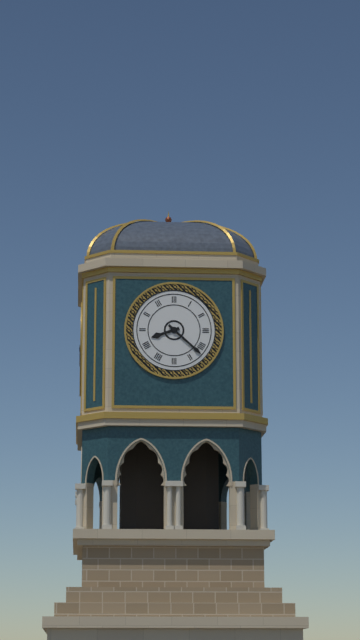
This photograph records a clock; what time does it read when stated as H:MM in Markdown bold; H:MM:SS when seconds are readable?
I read **8:22**
